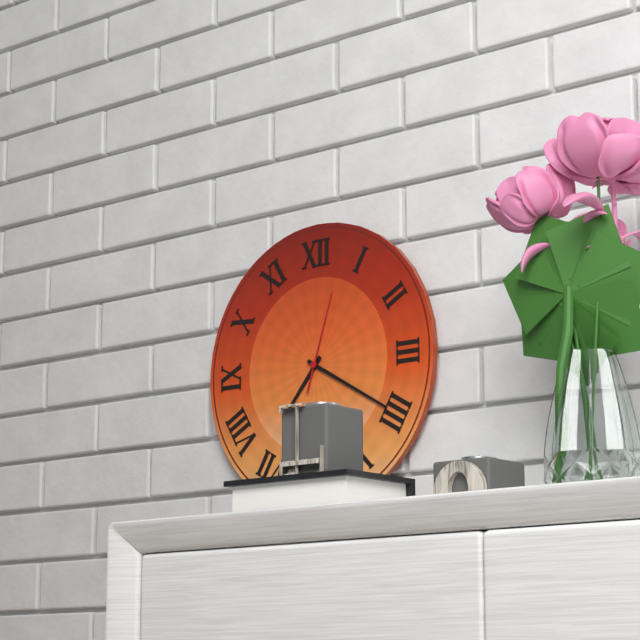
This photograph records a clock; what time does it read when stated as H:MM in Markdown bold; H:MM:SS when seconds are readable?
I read **7:20:03**
